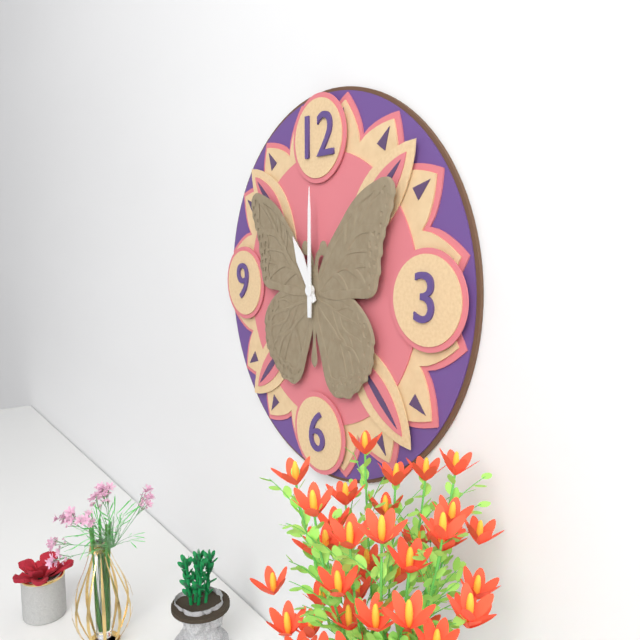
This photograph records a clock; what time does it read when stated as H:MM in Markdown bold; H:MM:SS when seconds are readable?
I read **11:00**
